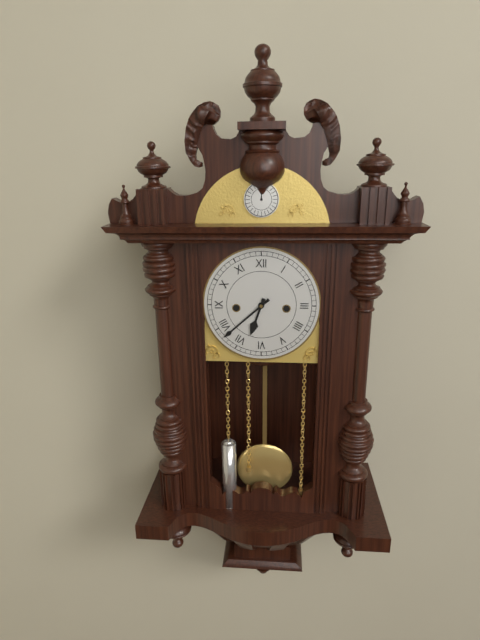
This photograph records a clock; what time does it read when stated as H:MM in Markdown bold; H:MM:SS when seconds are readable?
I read **6:38**
